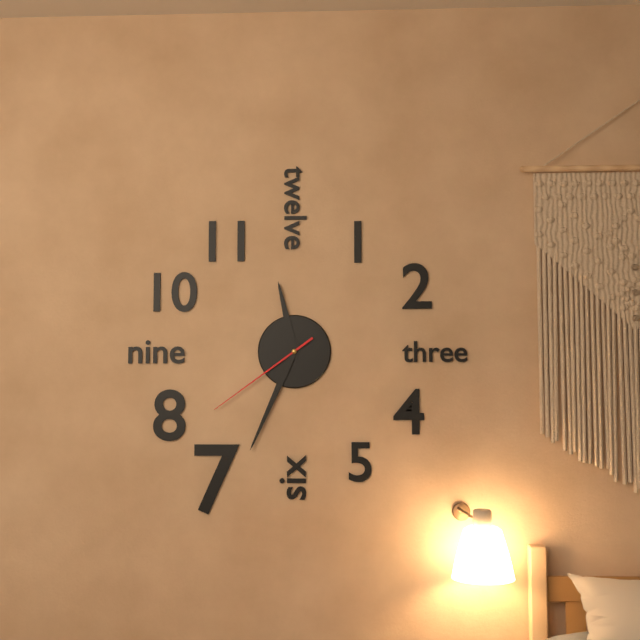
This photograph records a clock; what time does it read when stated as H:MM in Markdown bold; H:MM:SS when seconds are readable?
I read **11:34:39**
